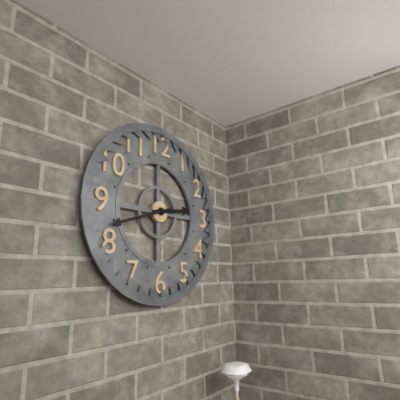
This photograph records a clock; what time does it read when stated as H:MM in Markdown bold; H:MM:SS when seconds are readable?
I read **2:42**
